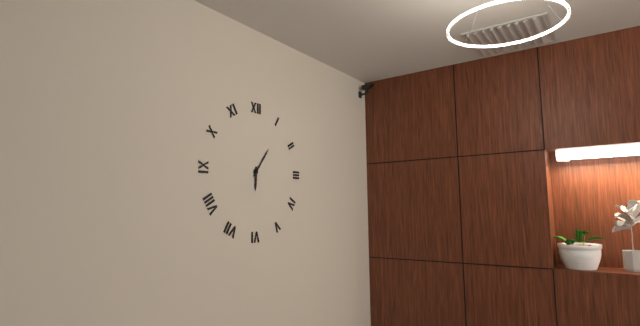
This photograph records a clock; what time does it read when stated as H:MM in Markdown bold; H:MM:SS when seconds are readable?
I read **6:06**
